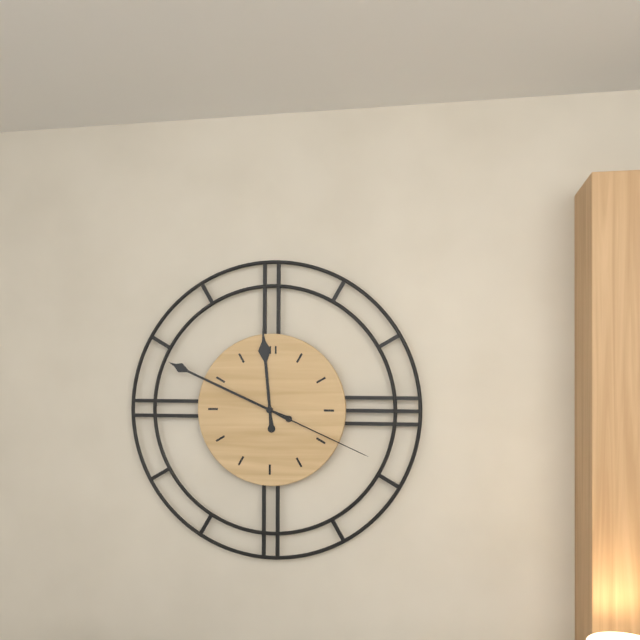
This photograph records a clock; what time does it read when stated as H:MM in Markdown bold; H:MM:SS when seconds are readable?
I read **11:49:19**
